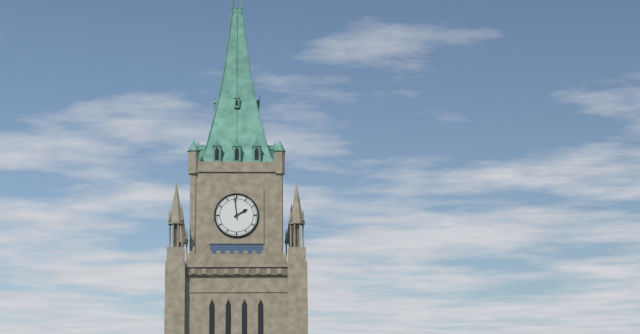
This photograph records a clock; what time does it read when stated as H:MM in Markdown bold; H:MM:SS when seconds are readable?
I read **1:59**
